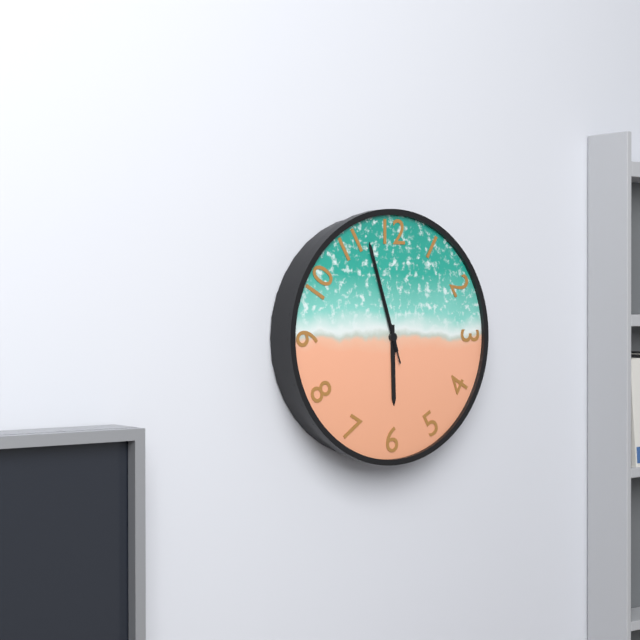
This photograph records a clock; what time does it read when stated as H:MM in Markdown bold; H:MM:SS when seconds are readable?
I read **5:57:57**
